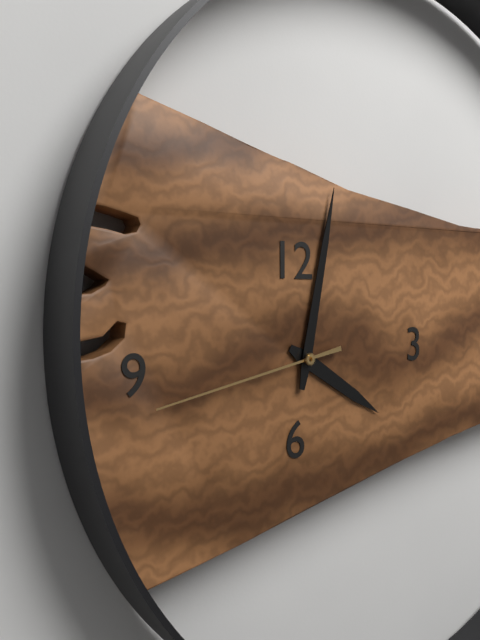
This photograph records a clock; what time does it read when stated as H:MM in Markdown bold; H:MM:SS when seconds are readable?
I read **4:02:43**
